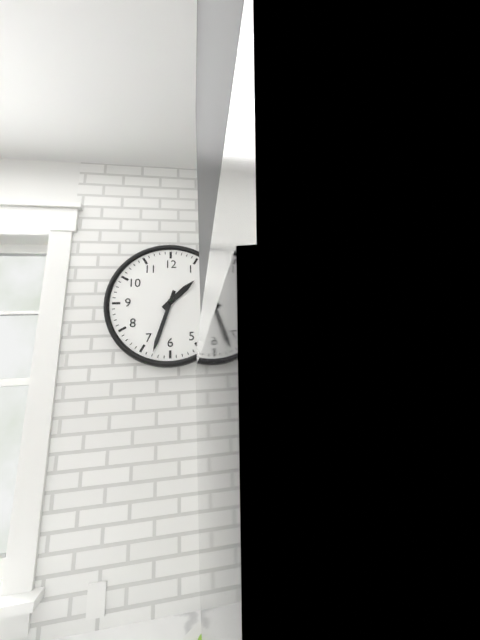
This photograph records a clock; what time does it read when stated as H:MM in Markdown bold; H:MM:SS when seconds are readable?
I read **1:33**
